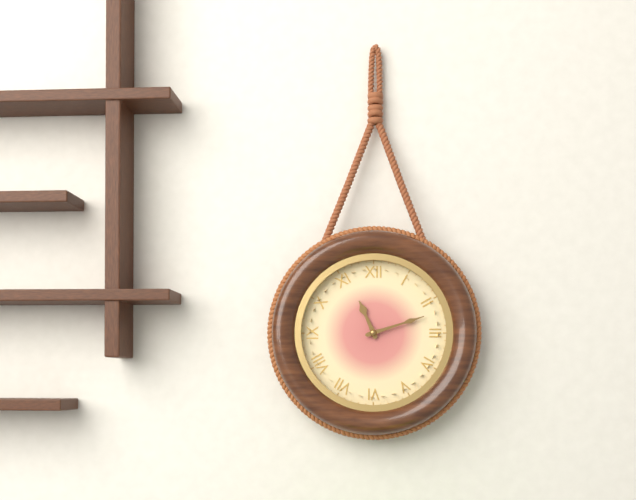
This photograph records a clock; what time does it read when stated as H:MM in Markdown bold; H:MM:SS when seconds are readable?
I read **11:12**
